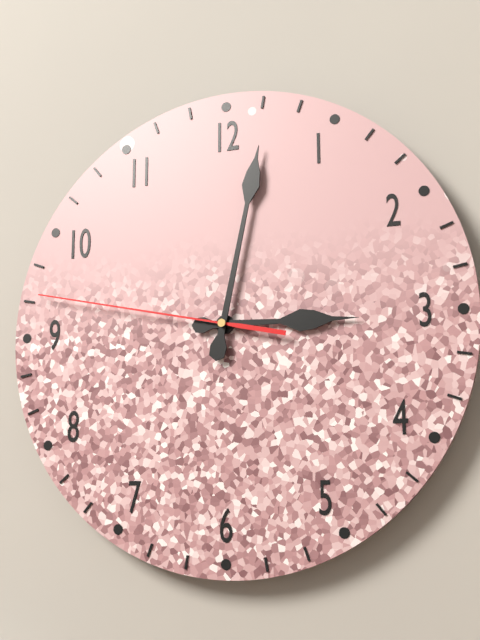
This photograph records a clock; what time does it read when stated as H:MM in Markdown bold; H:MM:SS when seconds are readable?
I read **3:02:47**
